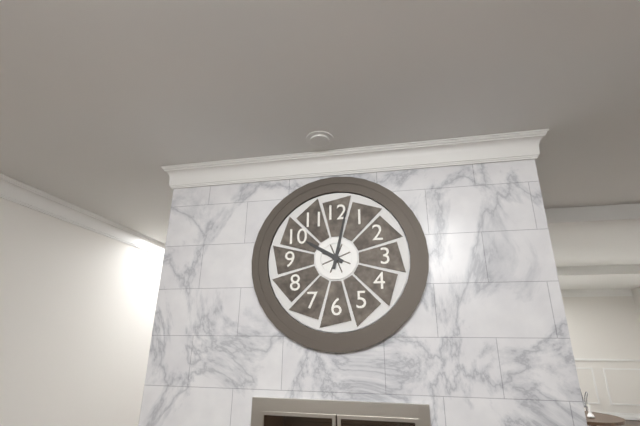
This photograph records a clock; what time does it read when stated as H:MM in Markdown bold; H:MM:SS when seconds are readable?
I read **10:02**
